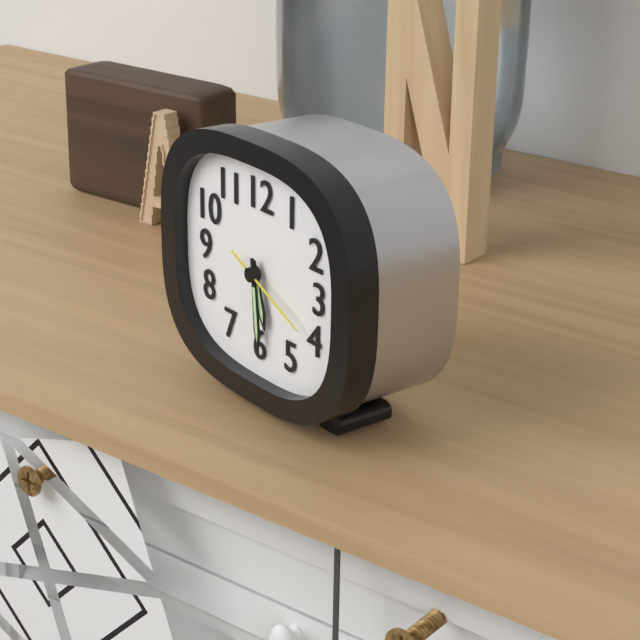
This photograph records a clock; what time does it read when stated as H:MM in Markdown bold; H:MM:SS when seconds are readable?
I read **5:29:19**
